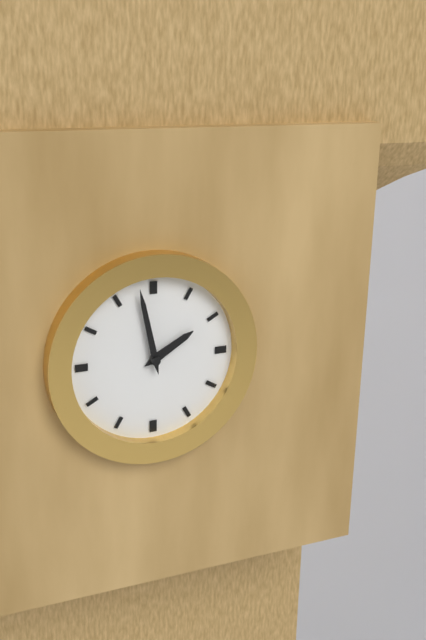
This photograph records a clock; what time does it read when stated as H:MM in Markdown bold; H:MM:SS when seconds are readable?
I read **1:58**
